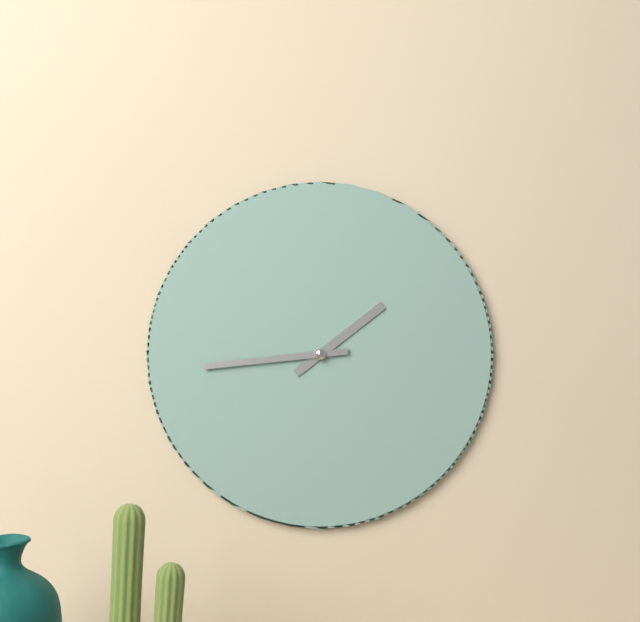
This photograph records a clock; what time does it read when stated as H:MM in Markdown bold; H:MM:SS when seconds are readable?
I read **1:44**
